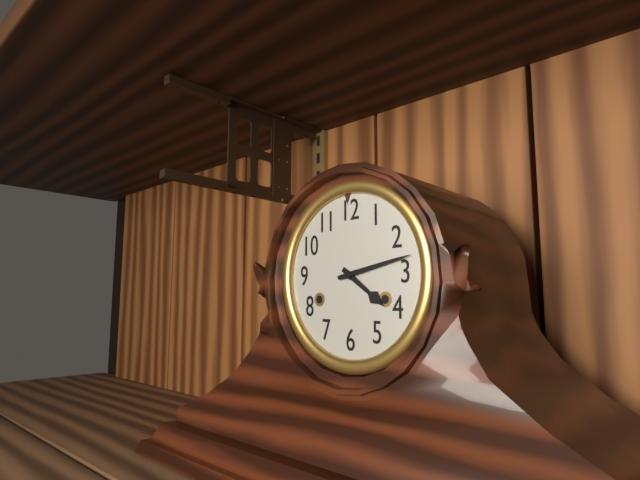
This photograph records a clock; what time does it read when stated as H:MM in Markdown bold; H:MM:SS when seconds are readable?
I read **4:13**
